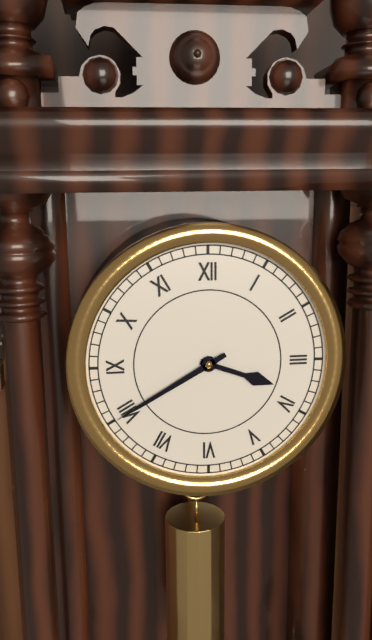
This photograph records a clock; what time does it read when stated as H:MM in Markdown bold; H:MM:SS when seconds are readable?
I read **3:40**
